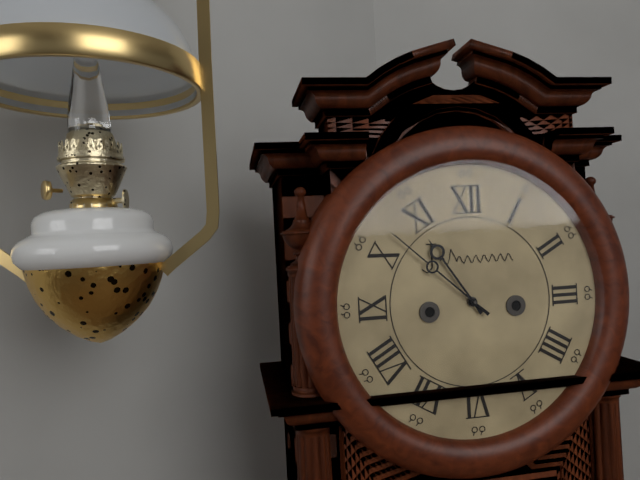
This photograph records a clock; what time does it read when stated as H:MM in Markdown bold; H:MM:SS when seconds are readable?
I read **10:52**
